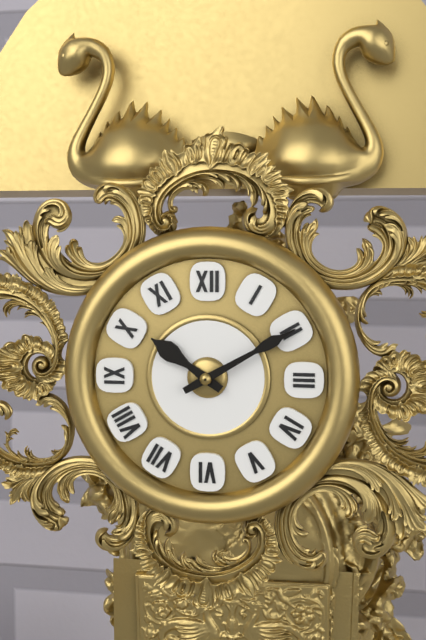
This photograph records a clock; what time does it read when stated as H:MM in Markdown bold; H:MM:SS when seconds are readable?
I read **10:10**
